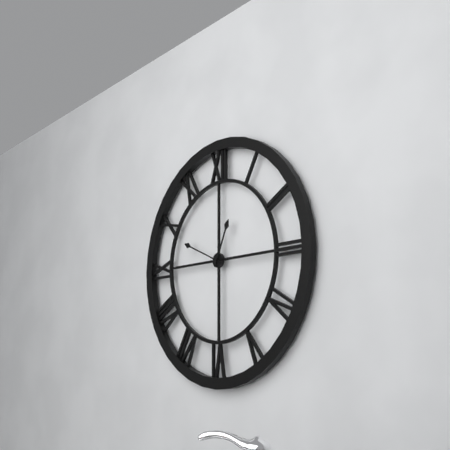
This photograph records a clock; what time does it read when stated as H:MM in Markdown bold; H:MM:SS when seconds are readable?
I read **12:49**
